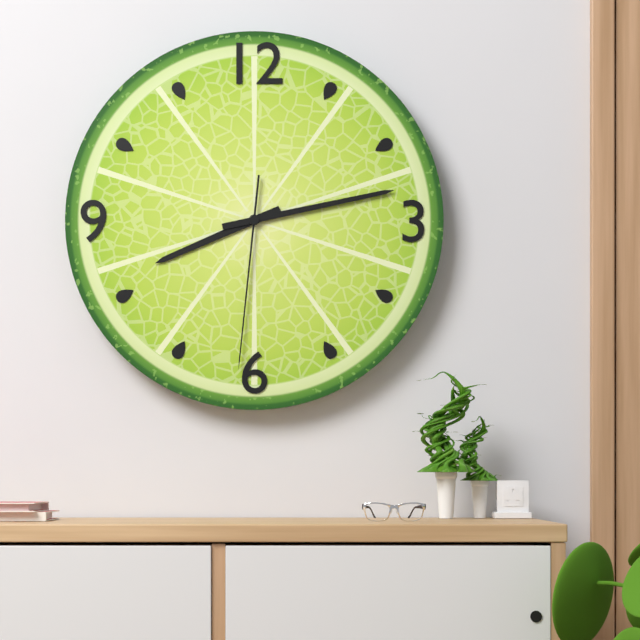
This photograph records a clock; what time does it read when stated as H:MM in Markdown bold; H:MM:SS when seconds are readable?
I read **8:13:31**
